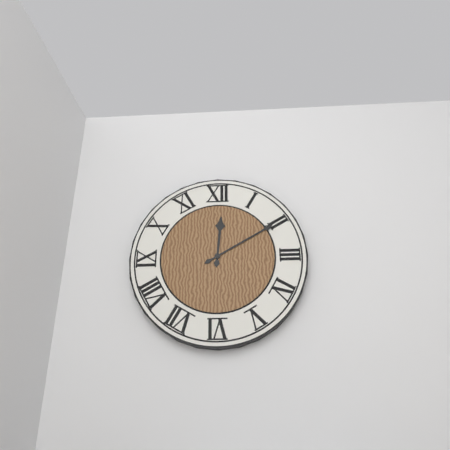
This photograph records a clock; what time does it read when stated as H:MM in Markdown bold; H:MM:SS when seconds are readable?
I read **12:10**
